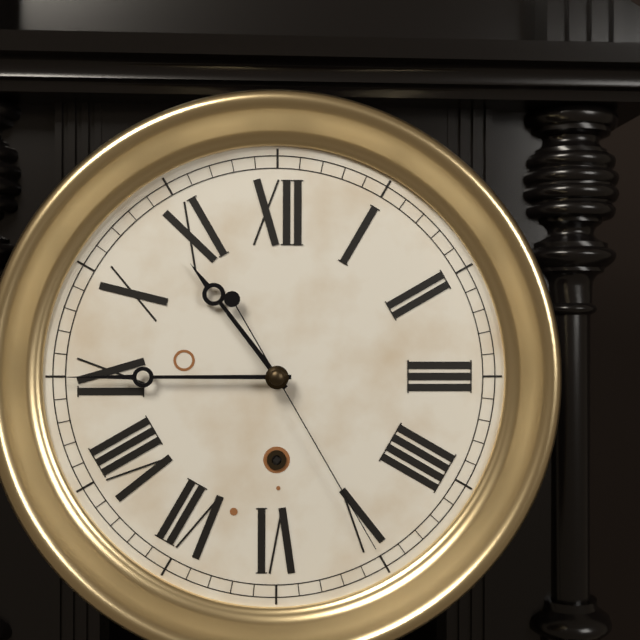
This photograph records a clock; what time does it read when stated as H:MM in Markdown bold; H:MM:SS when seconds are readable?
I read **10:45:25**
